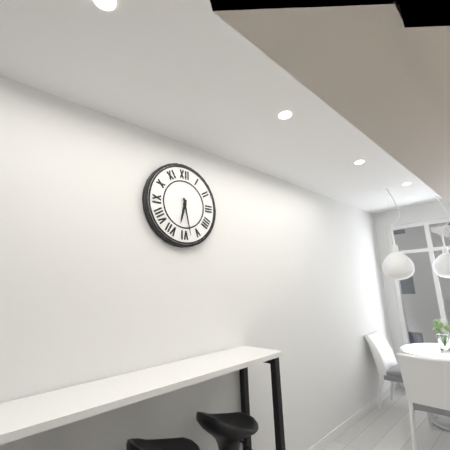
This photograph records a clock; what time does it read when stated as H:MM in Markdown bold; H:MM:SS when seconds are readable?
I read **6:28**
